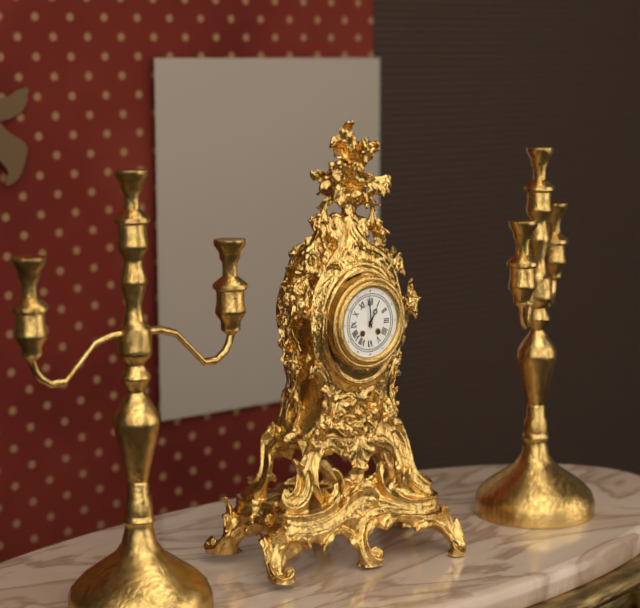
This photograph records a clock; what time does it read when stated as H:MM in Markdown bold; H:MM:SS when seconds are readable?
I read **12:59**
